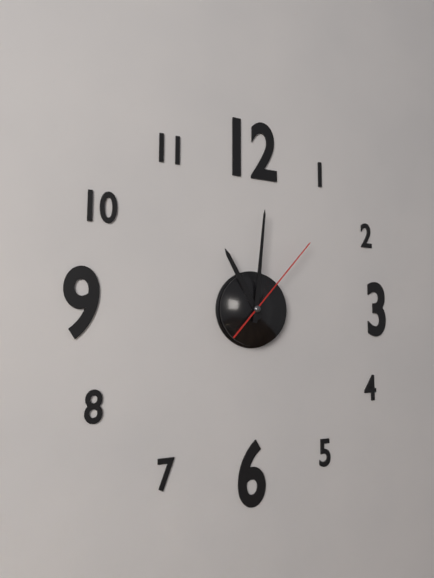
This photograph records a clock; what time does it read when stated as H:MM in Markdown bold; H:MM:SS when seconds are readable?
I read **11:01:07**
